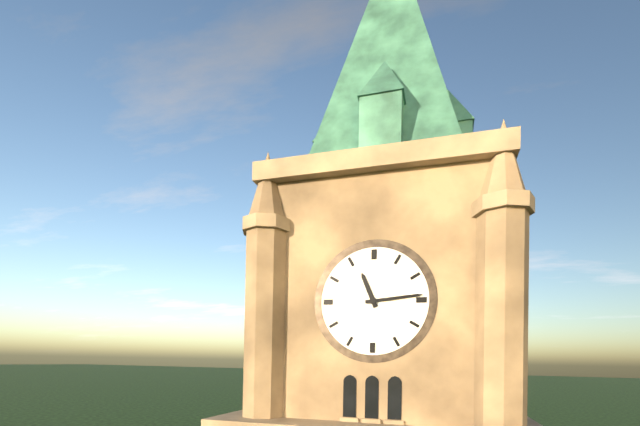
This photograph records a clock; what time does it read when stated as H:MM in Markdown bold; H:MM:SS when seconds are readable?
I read **11:14**
